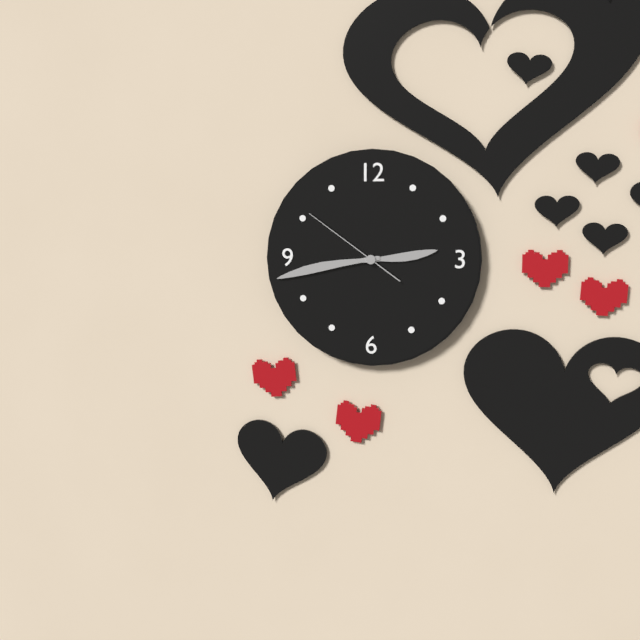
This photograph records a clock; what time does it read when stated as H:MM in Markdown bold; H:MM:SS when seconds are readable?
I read **2:43:51**
